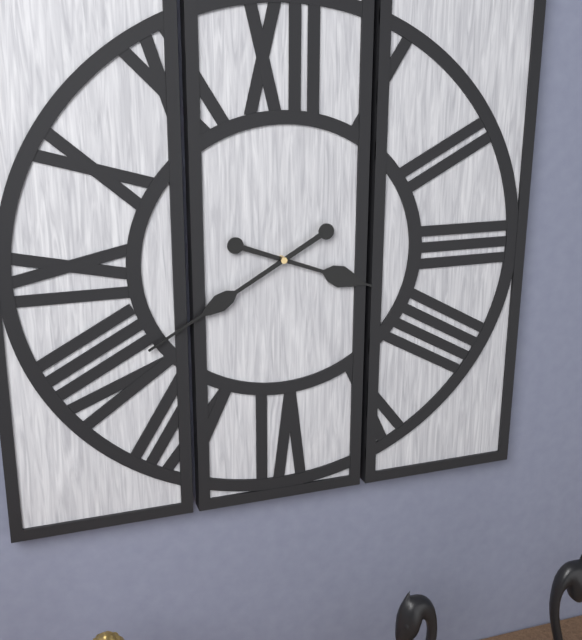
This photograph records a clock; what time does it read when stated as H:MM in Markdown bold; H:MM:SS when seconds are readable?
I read **3:40**
